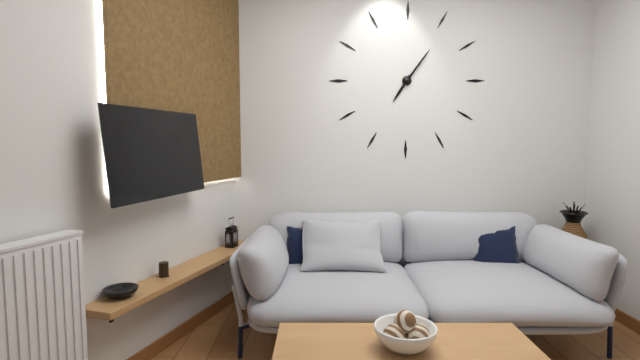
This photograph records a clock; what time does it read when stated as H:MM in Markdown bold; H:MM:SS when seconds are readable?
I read **7:06**
